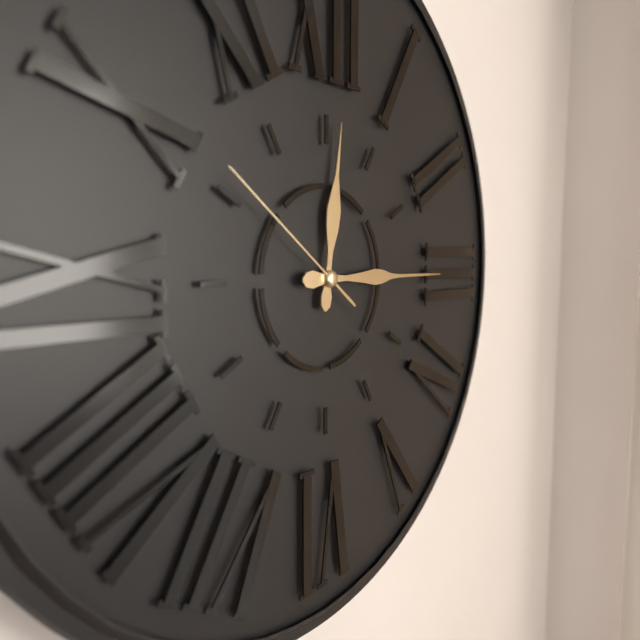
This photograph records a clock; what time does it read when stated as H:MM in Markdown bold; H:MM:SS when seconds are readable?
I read **12:15:51**
